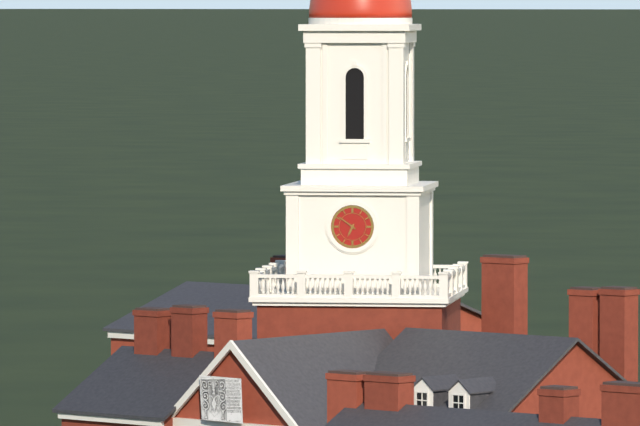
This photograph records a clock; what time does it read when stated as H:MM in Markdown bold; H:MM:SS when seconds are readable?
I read **6:51**
